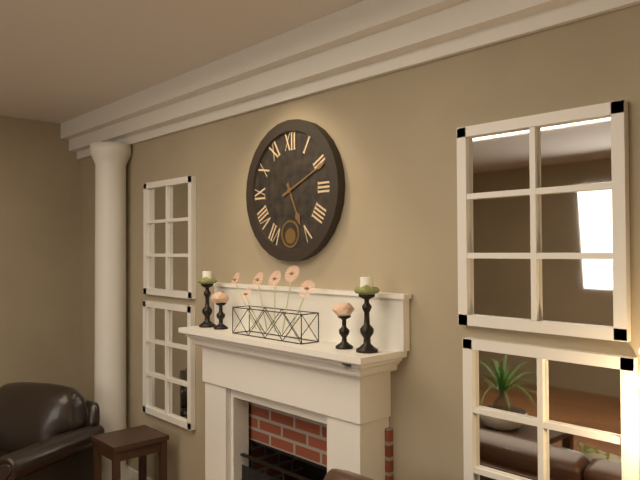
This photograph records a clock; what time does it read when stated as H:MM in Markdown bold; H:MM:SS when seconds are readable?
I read **5:11**
